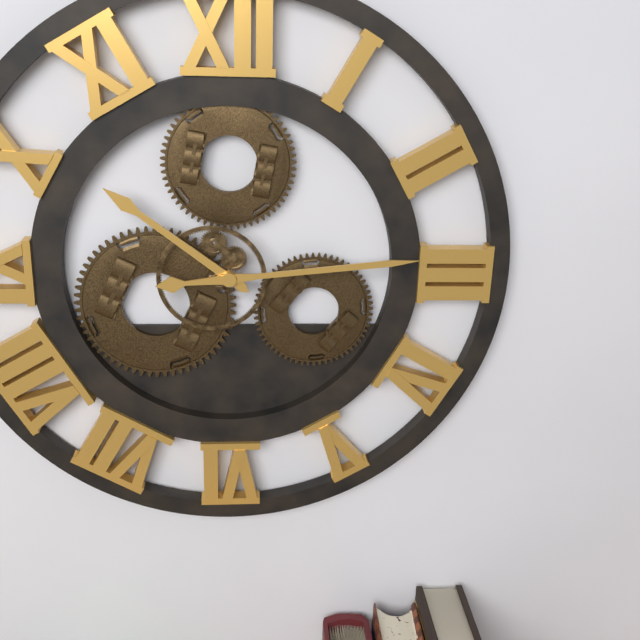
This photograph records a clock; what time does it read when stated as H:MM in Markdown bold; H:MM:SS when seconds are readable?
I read **10:14**
